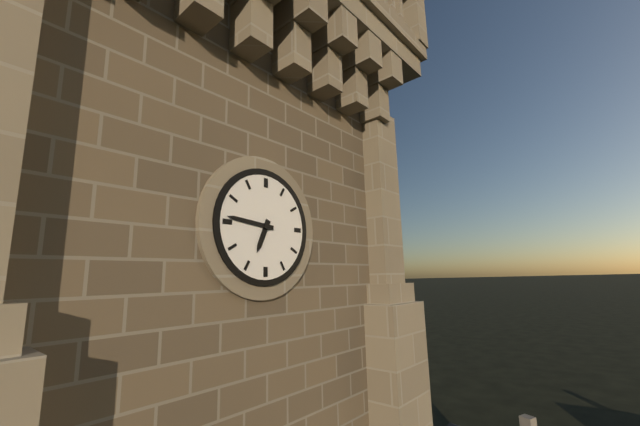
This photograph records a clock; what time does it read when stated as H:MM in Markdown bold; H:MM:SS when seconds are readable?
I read **6:46**
